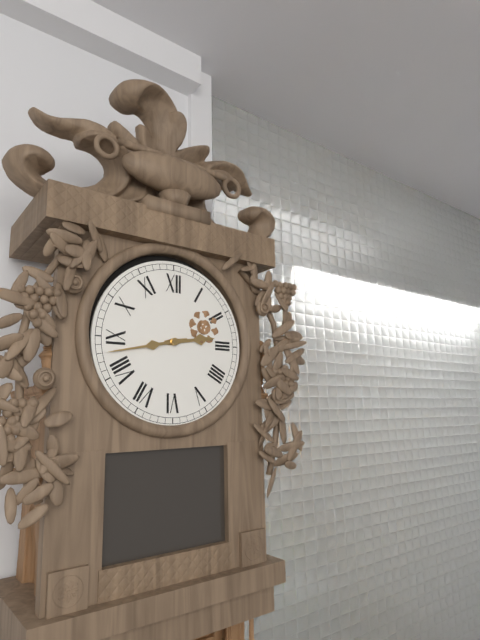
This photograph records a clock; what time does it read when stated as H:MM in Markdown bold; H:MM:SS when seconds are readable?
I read **2:43**
